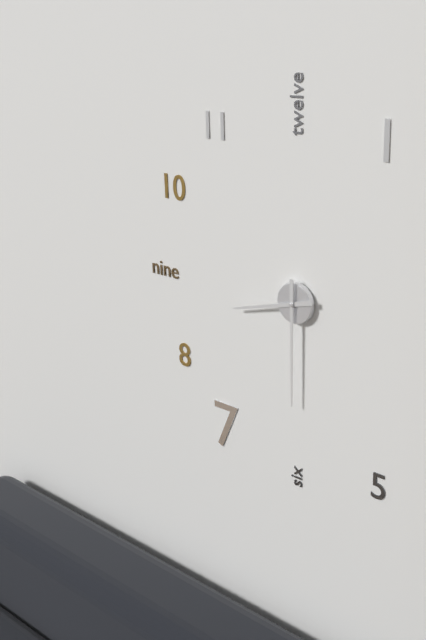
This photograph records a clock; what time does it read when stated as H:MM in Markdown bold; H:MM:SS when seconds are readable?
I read **8:30**
